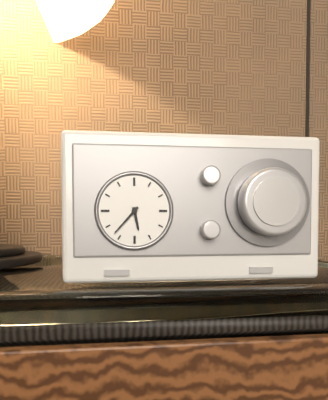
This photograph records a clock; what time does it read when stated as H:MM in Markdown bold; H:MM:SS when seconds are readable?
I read **5:37**
